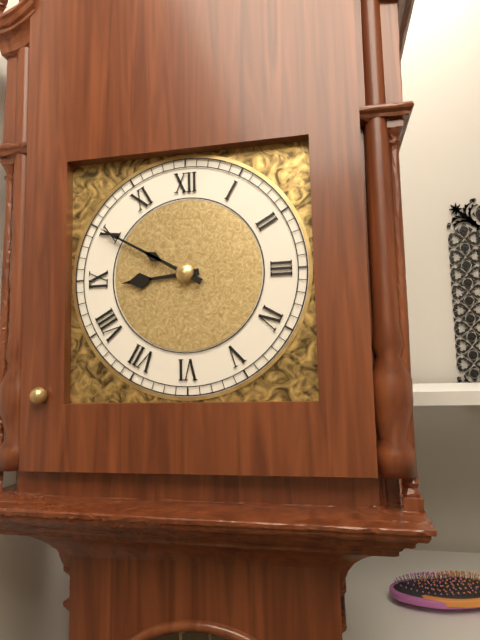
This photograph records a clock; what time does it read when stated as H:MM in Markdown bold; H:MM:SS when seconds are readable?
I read **8:50**
